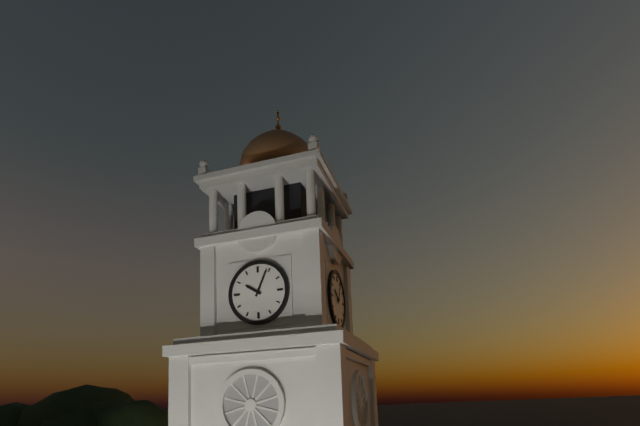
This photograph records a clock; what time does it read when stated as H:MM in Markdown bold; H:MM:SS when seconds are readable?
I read **10:04**
